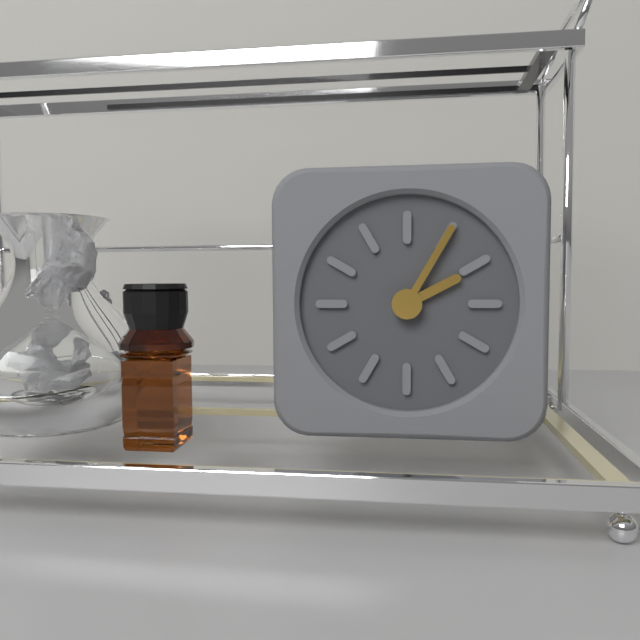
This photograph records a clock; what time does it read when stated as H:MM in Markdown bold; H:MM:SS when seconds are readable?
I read **2:05**
